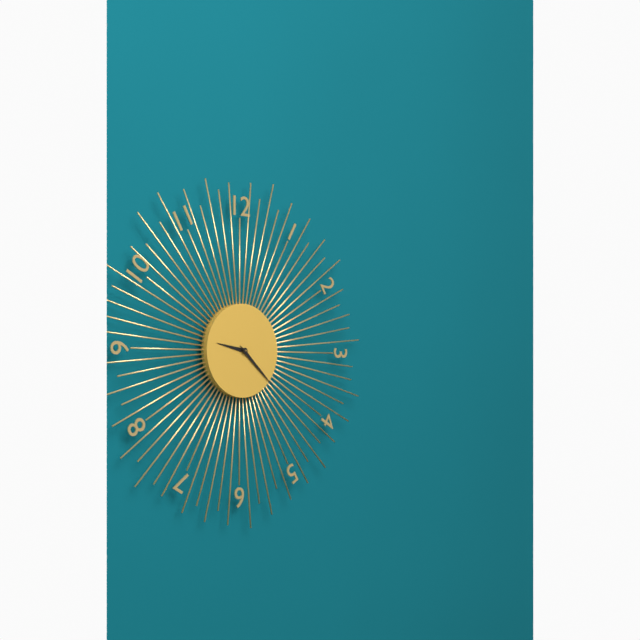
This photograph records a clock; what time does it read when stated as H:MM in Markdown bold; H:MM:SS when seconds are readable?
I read **9:22**
